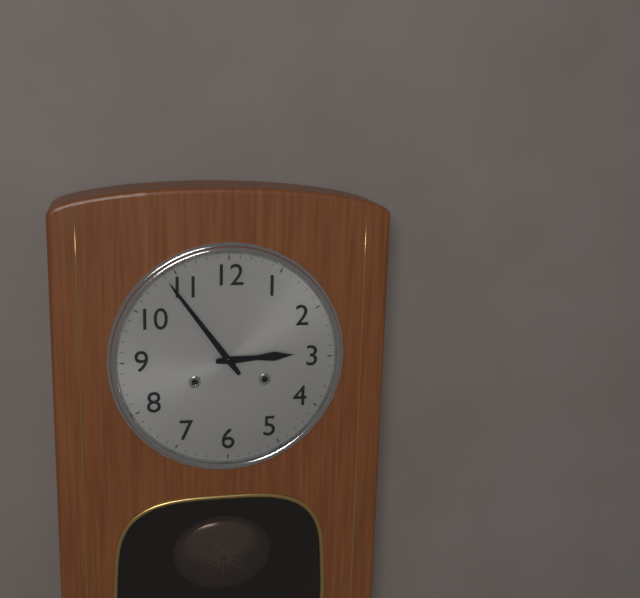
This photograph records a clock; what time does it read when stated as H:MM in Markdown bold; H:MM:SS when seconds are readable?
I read **2:54**
